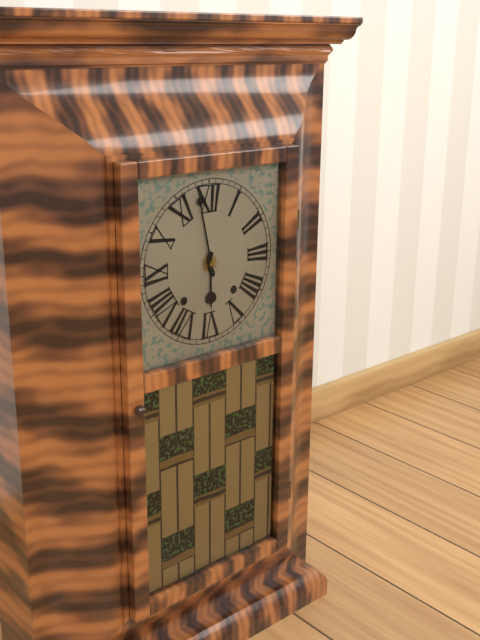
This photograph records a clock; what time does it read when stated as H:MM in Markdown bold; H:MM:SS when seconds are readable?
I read **5:58**
